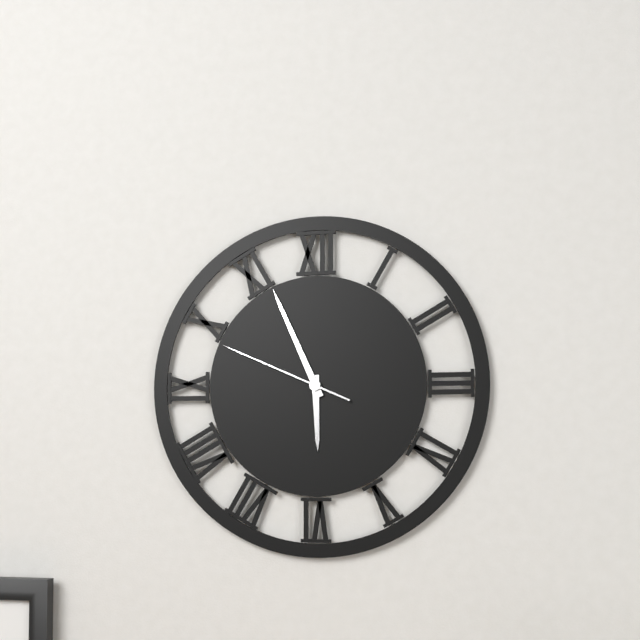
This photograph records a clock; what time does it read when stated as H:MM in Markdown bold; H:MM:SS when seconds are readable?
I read **5:56:49**
